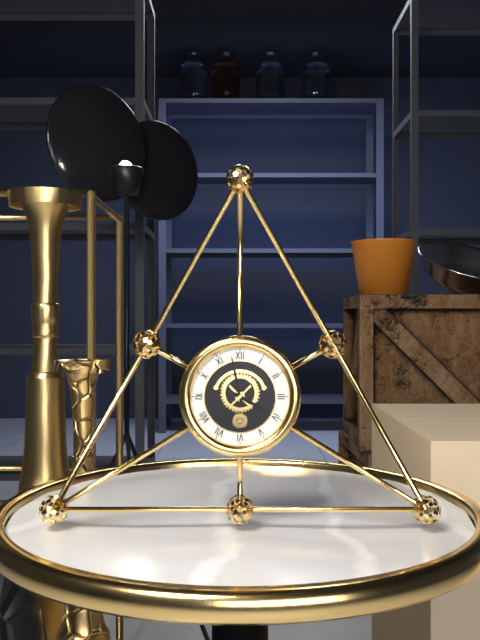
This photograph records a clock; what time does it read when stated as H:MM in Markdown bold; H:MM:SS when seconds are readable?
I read **3:58**
